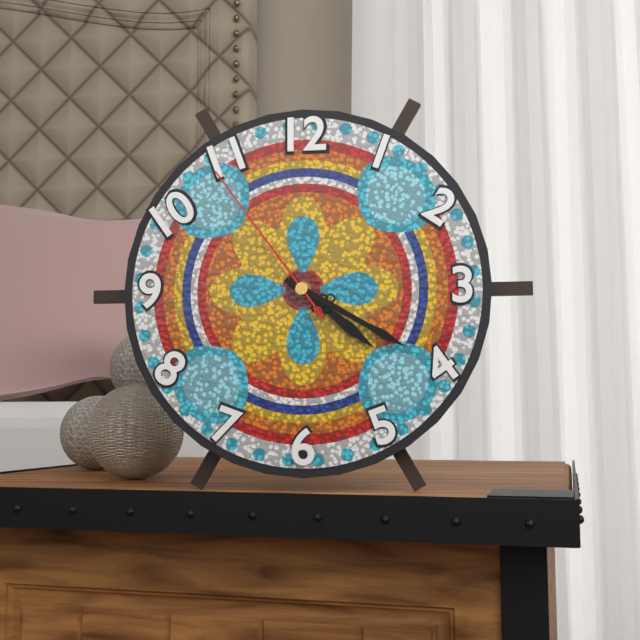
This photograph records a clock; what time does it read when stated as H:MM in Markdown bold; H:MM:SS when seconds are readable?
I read **4:20:54**
